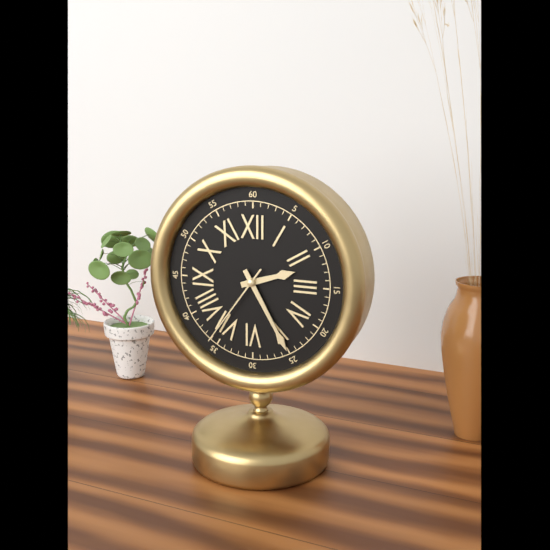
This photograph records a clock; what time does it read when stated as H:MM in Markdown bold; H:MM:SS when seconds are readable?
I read **2:25:36**
